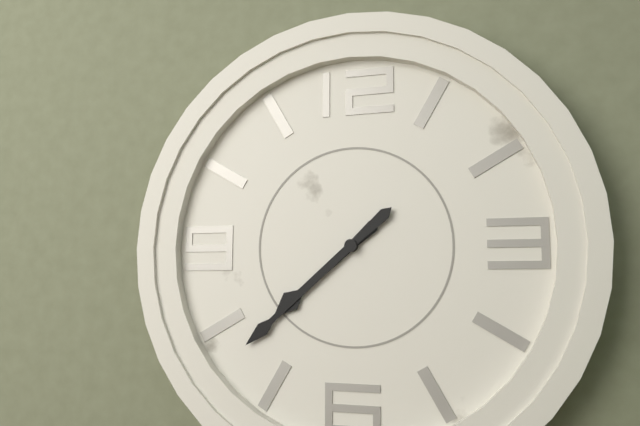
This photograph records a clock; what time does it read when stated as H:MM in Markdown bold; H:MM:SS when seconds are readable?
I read **7:38**
